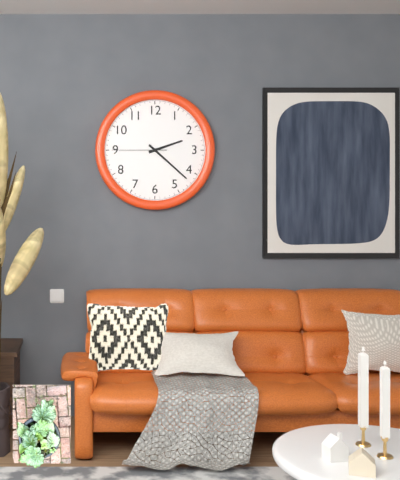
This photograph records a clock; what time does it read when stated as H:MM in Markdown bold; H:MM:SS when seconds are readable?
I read **2:22:45**
